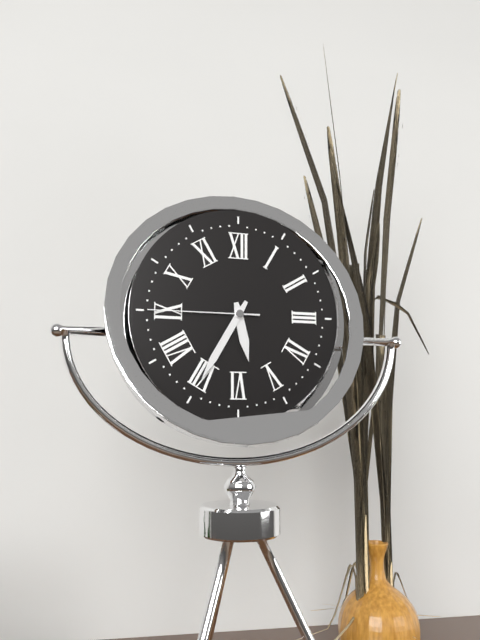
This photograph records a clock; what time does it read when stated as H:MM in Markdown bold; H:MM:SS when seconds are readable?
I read **5:35:45**
